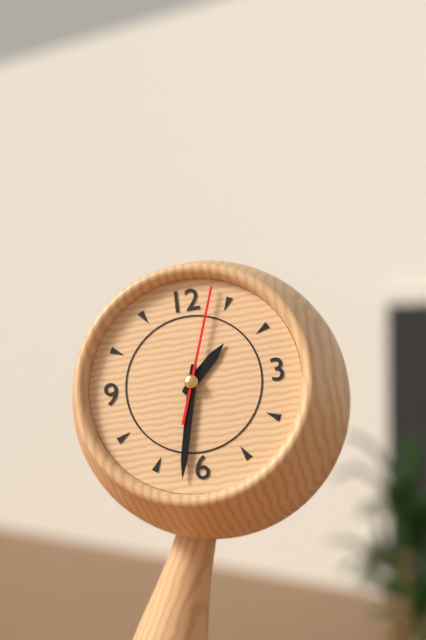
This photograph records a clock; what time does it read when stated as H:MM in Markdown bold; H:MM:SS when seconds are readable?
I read **1:32:03**
